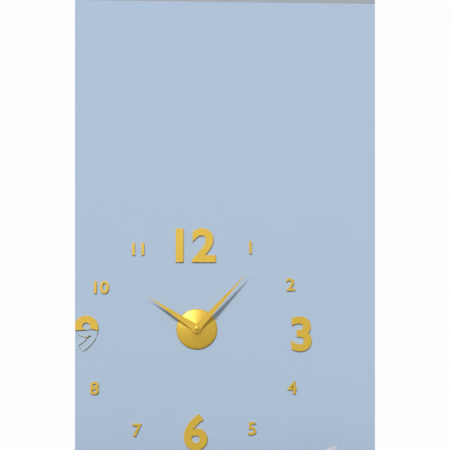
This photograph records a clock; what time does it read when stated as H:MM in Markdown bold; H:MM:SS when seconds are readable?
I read **10:07**
